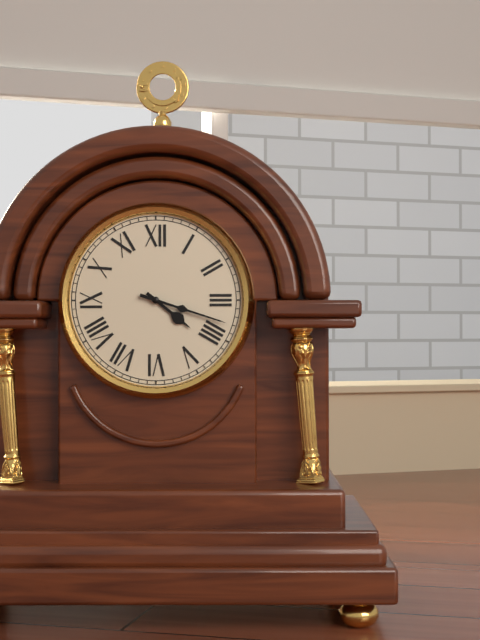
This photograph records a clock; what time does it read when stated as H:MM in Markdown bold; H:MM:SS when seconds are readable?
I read **4:18**
